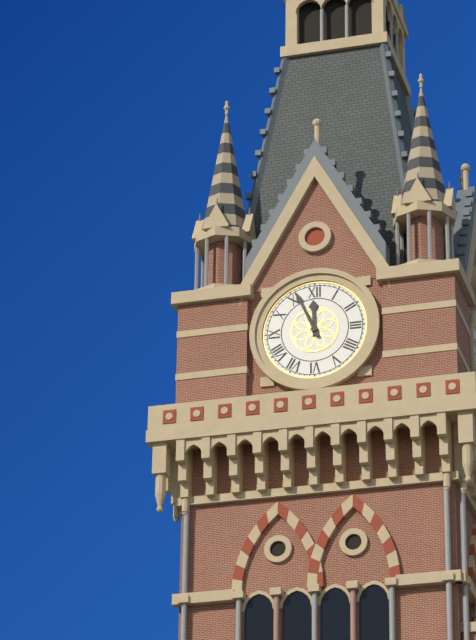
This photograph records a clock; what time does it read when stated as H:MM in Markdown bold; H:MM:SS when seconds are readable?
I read **11:56**
